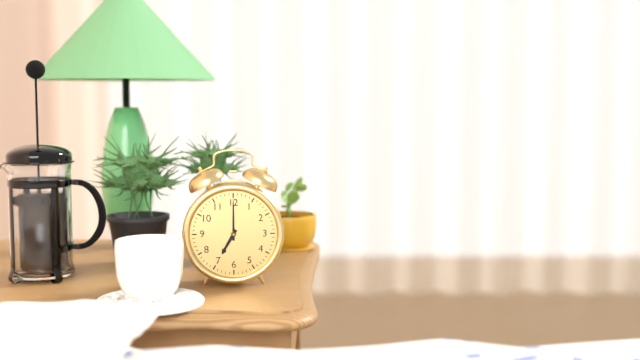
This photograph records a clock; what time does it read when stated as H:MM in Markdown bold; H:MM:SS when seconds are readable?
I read **7:00**
